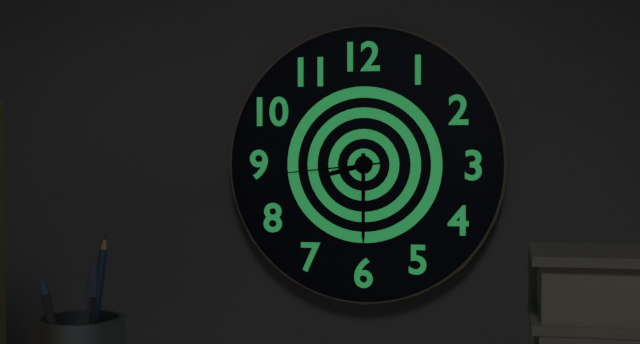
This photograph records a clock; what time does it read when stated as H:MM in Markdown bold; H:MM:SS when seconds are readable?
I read **8:30:44**
